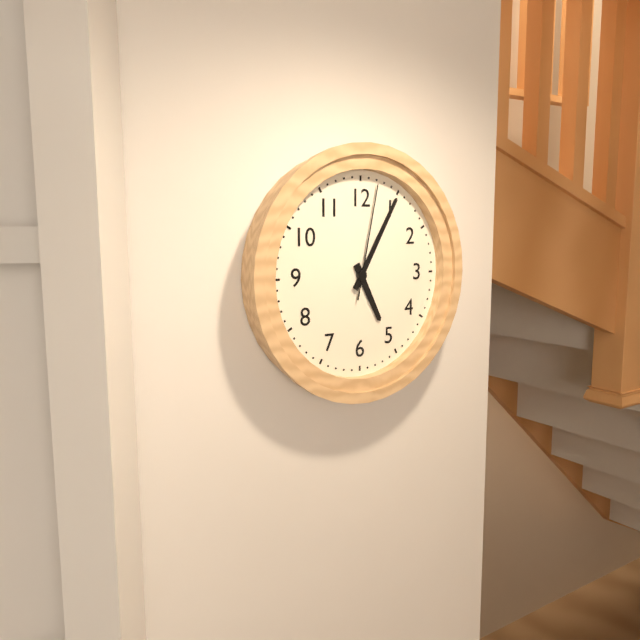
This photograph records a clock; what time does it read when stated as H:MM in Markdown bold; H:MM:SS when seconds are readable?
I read **5:05:02**
